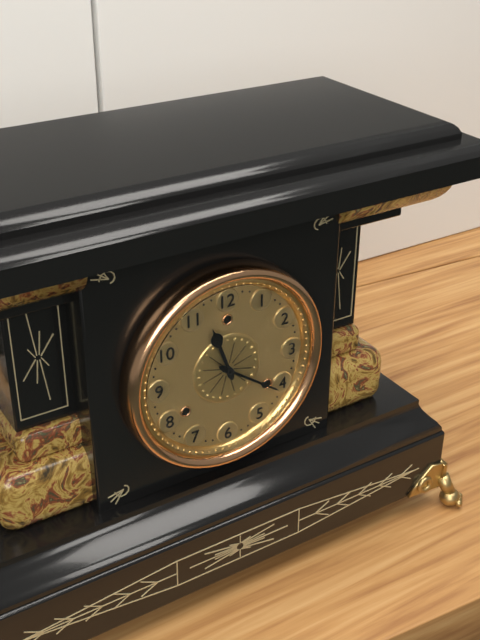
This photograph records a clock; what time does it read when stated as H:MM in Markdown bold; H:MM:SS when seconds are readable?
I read **11:21**
